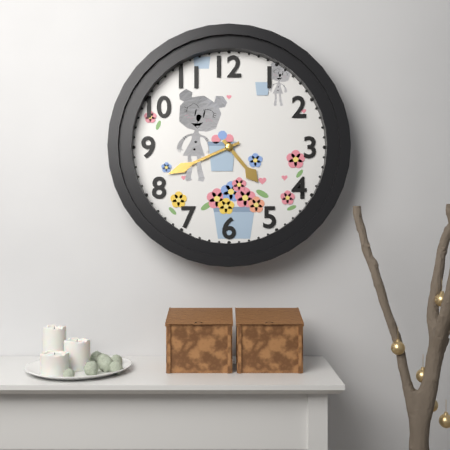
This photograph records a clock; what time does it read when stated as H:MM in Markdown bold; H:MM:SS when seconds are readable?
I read **4:41**
